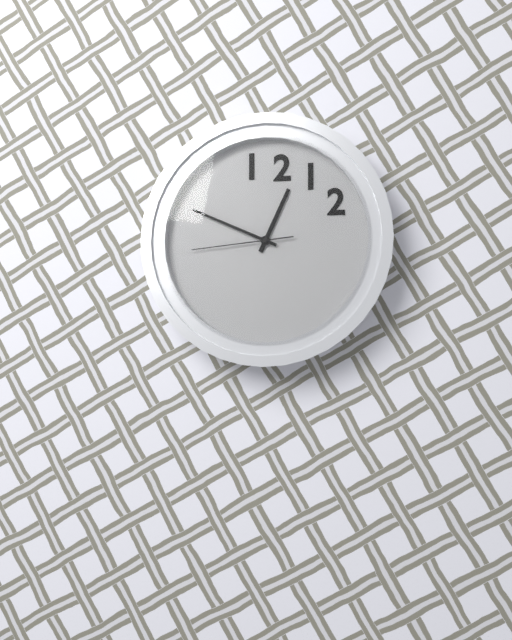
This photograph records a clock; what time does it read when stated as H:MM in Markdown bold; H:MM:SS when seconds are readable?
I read **12:49:44**
